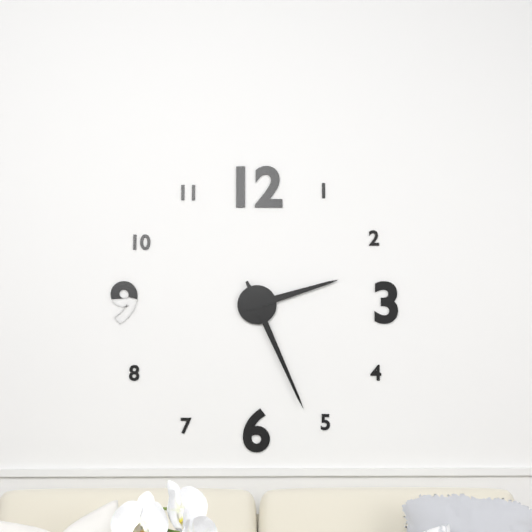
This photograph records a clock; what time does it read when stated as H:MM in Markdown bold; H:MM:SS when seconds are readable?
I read **2:26**
